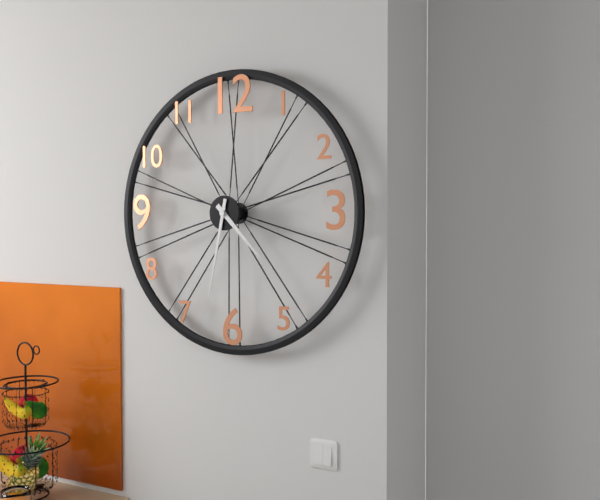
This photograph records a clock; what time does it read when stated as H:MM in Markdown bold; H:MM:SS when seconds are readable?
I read **4:32**
